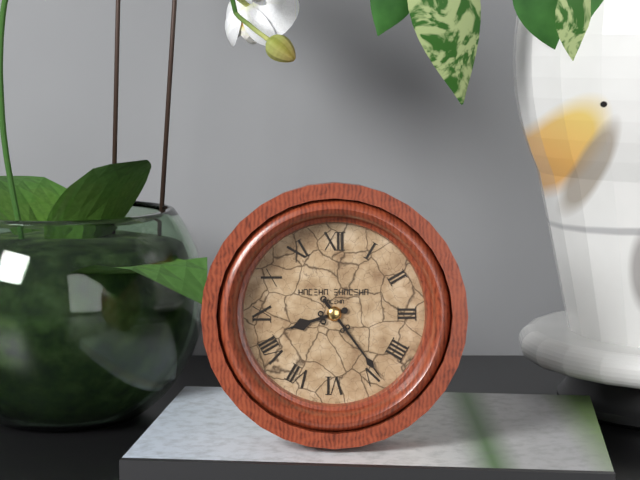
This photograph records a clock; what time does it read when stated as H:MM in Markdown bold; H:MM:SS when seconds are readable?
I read **8:24**
